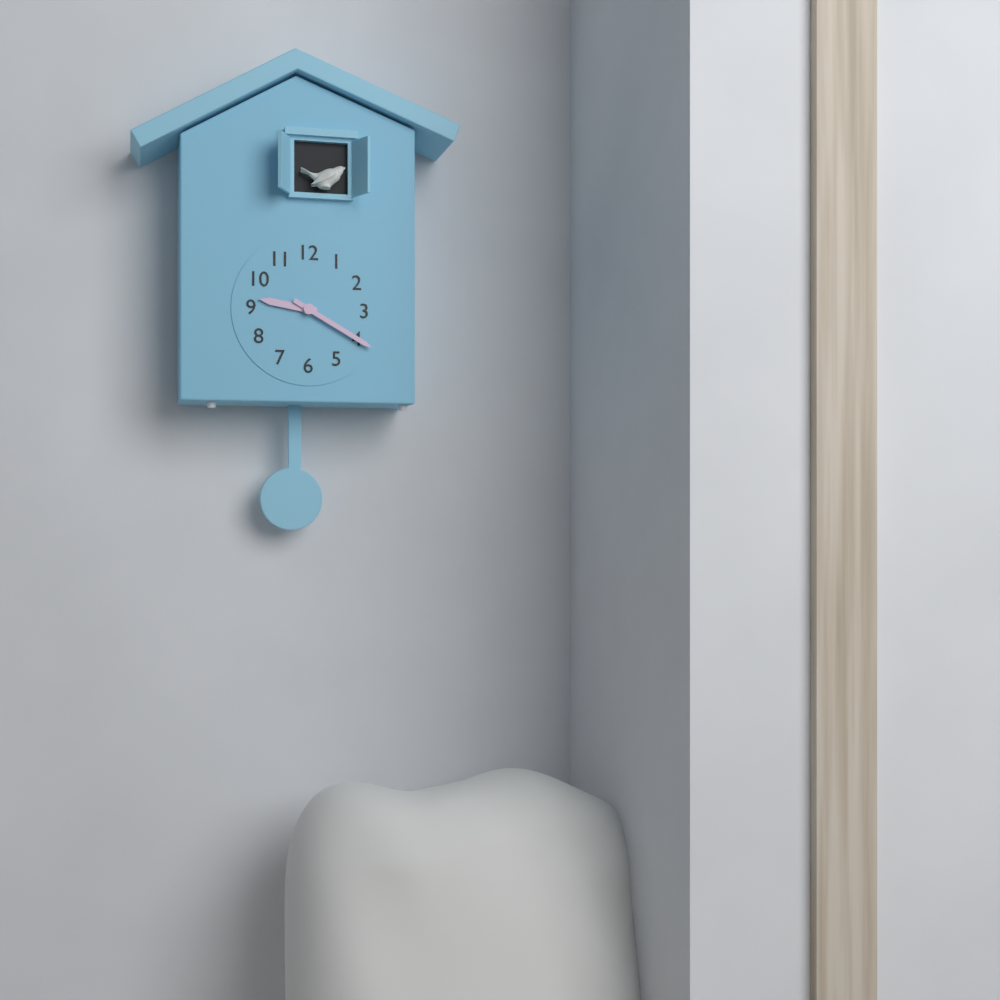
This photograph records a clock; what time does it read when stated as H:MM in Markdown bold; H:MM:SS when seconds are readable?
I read **9:20**
